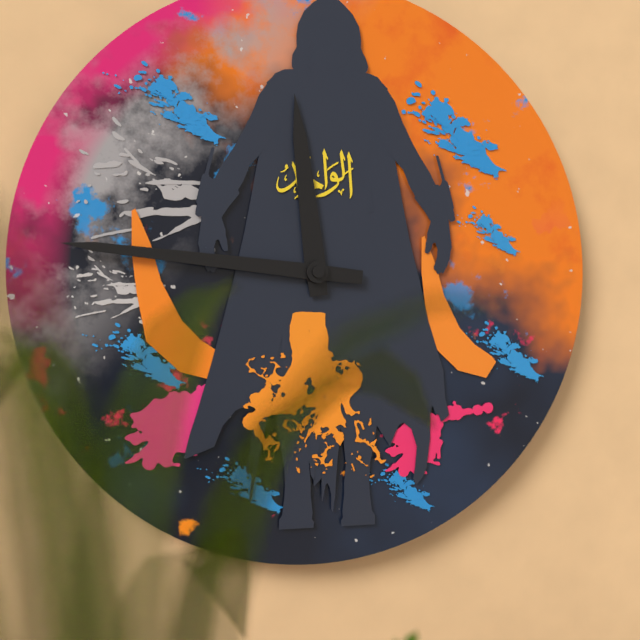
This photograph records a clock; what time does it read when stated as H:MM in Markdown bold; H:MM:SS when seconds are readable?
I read **11:46**
